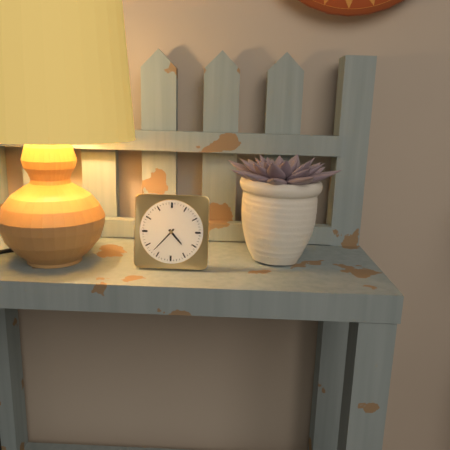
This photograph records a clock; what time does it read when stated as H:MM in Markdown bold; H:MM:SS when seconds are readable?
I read **4:37**
